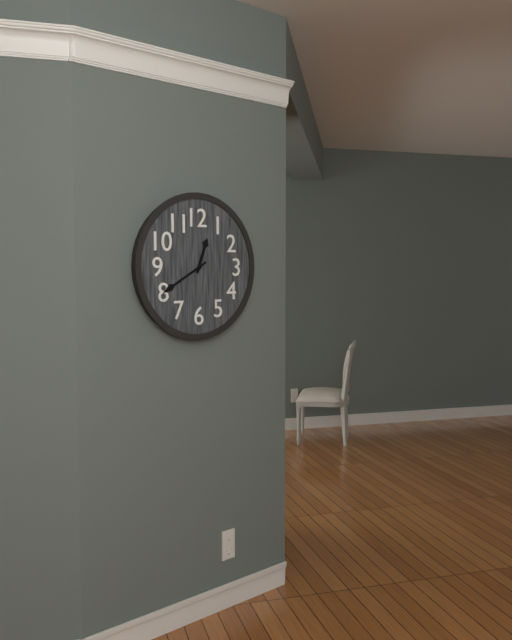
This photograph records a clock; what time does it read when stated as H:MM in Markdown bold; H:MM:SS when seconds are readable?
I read **12:40**
